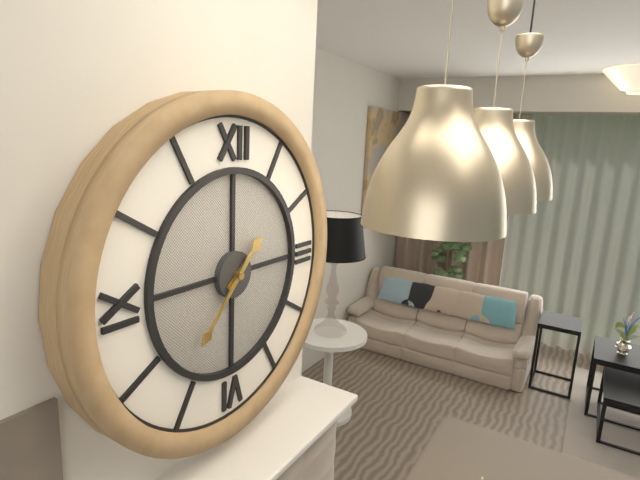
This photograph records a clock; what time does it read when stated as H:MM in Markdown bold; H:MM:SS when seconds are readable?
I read **1:37**
